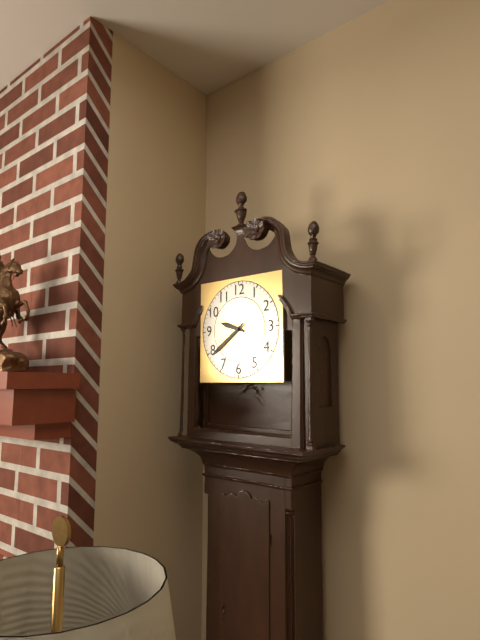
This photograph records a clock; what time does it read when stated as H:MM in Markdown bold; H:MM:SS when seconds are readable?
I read **9:39**
